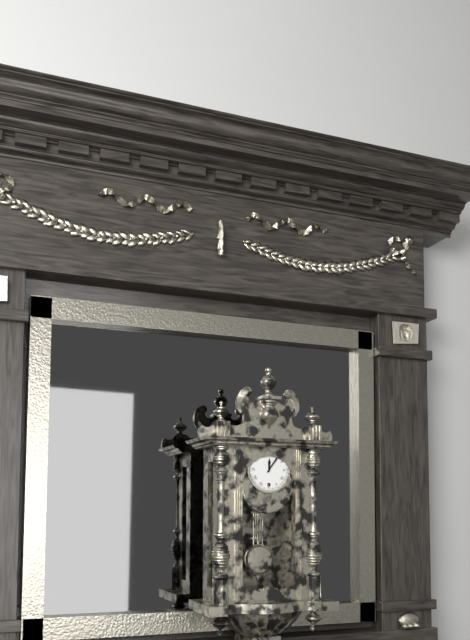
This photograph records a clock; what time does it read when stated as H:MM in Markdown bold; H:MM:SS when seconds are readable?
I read **12:06**
